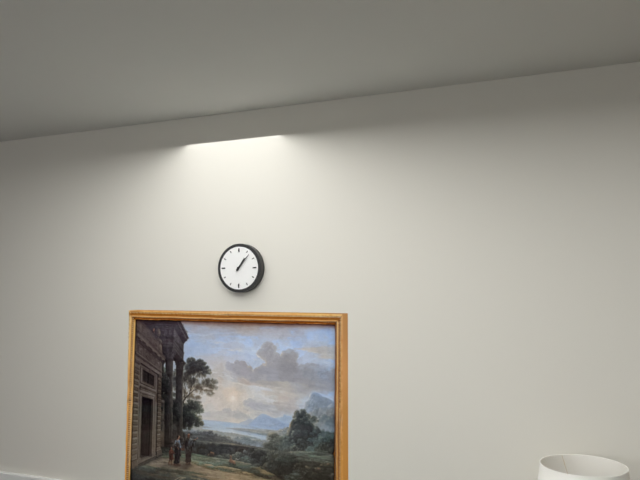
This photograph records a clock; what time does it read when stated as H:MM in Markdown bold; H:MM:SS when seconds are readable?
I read **1:07**
